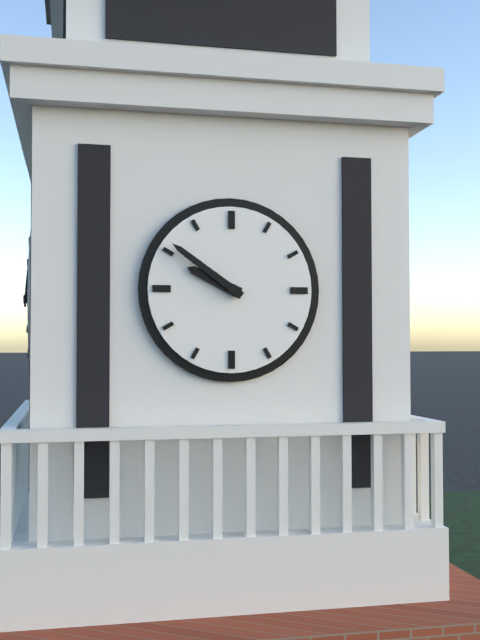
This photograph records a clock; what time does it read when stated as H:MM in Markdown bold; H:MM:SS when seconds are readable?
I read **9:51**
